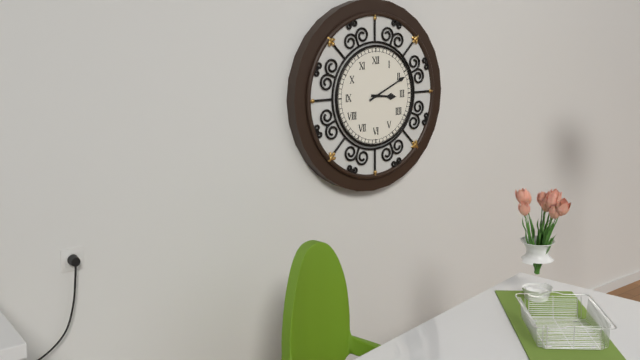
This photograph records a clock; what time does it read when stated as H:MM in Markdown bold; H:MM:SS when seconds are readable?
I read **3:11**
